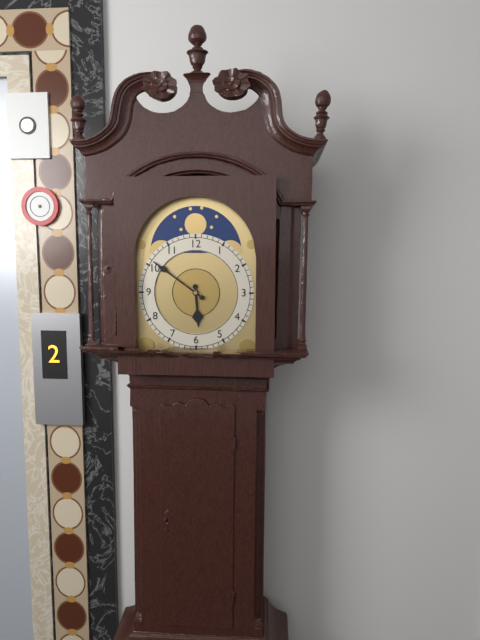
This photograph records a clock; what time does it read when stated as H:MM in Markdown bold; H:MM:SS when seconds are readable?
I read **5:51**
